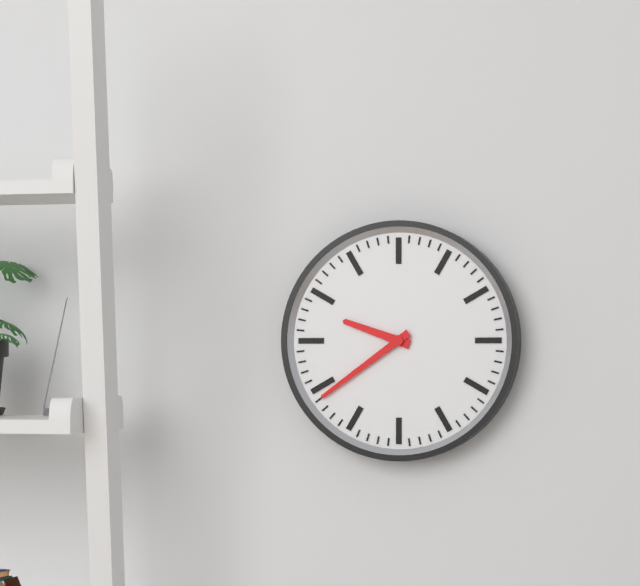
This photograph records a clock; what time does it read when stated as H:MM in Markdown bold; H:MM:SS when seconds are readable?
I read **9:39**
